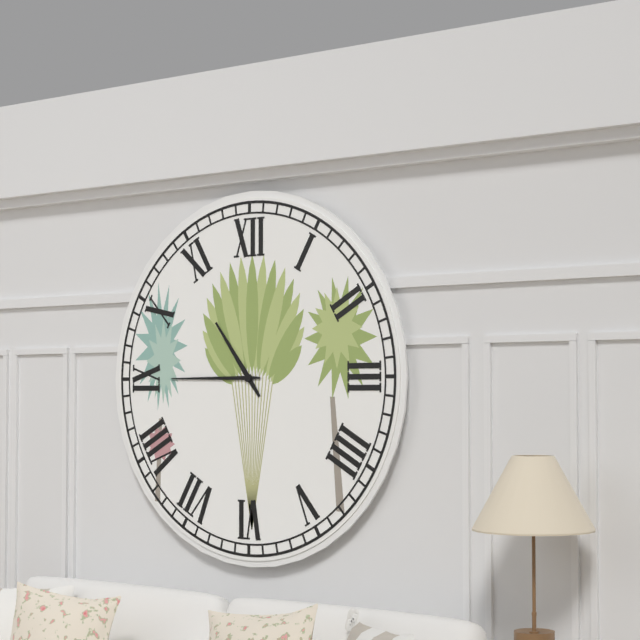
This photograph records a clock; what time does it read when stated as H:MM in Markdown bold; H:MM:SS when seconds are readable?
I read **10:45**
